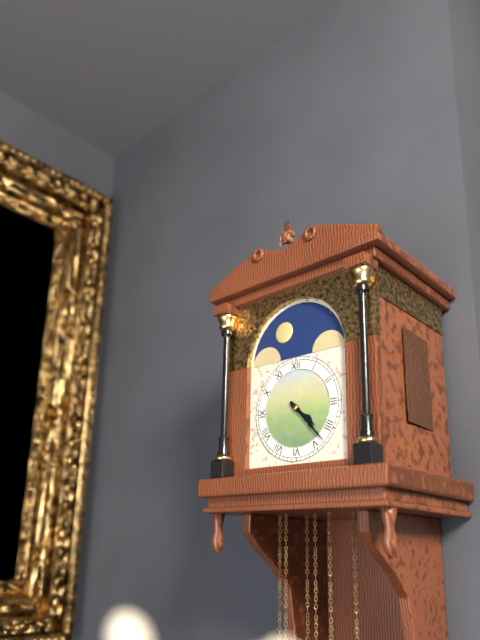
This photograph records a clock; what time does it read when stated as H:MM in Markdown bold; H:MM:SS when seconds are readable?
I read **4:23**
